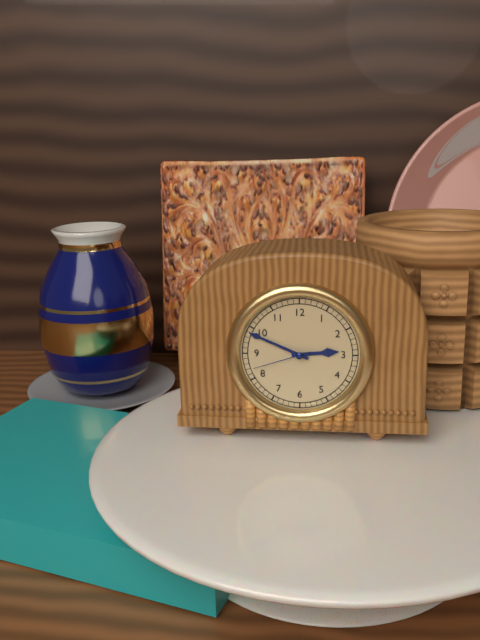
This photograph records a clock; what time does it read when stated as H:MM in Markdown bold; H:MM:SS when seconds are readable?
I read **2:49:42**
